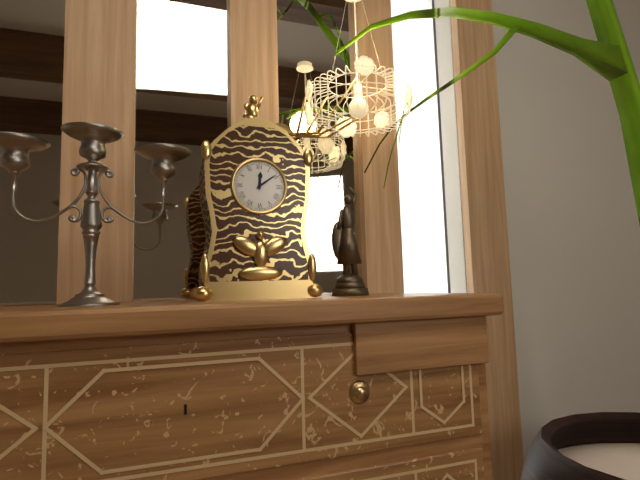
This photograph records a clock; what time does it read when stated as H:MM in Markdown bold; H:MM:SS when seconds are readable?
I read **12:09**
